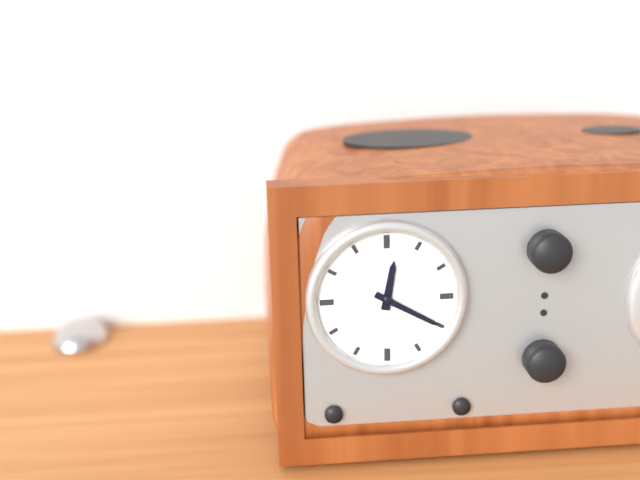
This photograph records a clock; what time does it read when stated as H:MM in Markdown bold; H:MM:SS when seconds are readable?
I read **12:20**
